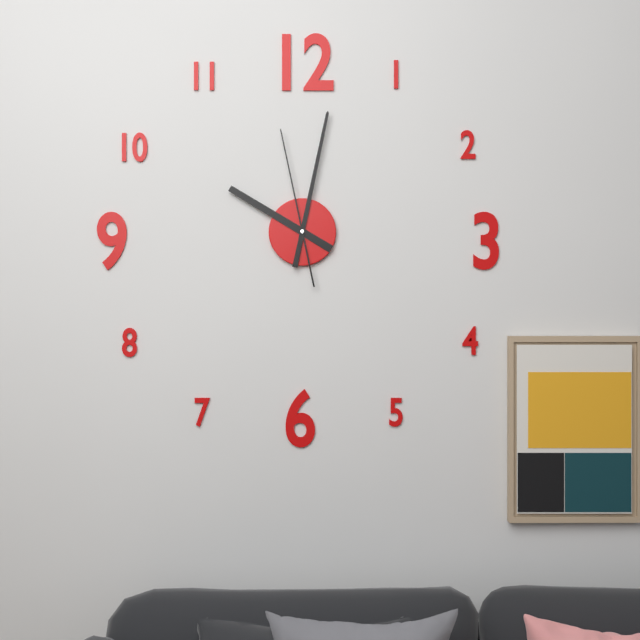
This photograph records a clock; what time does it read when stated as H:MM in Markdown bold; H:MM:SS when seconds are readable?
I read **10:02:58**
